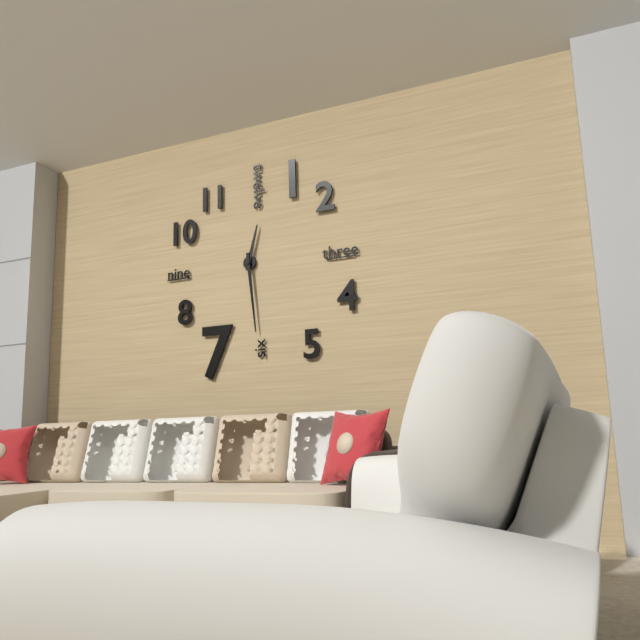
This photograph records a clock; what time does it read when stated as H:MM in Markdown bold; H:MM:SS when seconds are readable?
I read **12:29**
